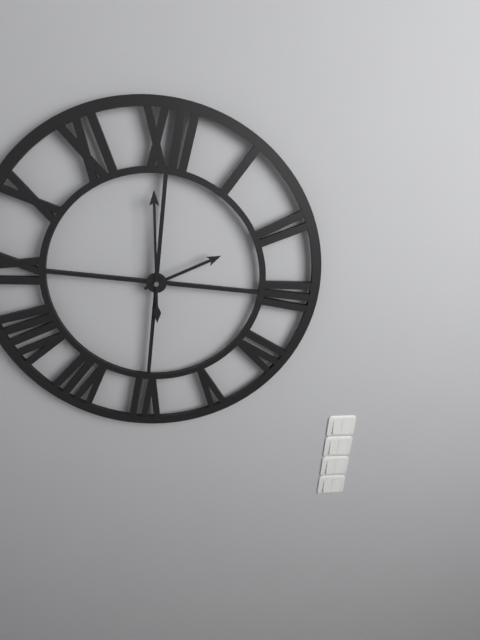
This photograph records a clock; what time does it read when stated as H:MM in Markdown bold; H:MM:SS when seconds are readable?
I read **1:59**
